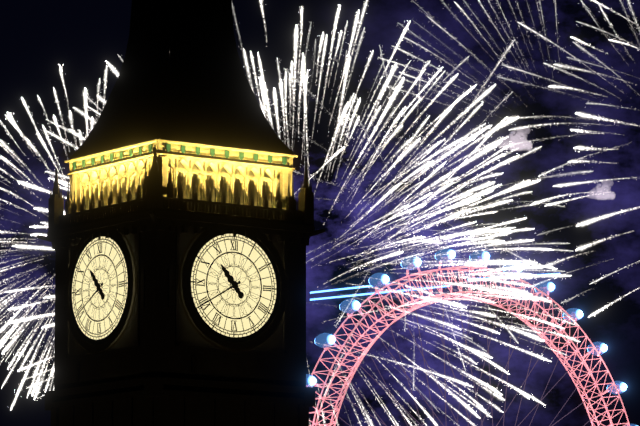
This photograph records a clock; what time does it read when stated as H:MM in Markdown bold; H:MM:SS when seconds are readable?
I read **10:40**
